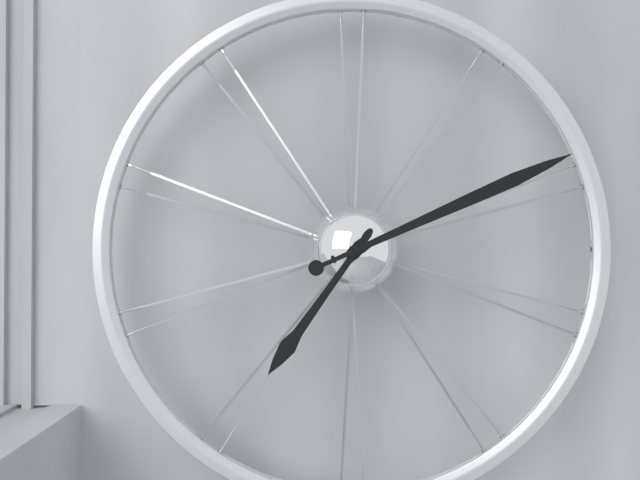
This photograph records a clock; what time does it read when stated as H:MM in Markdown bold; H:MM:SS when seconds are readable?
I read **7:11**
